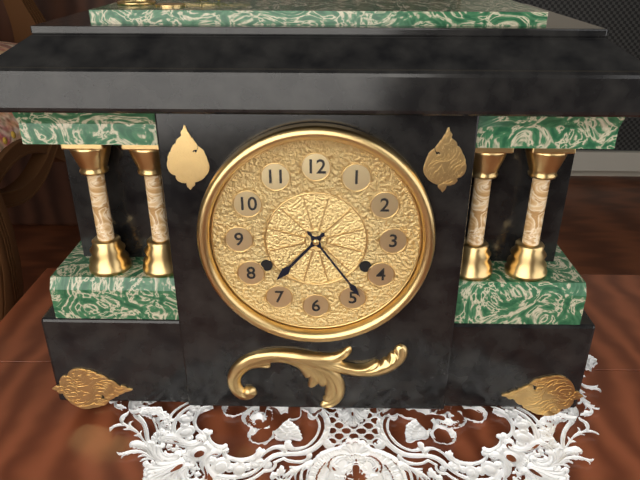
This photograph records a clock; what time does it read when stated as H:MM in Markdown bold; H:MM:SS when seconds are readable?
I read **7:24**
